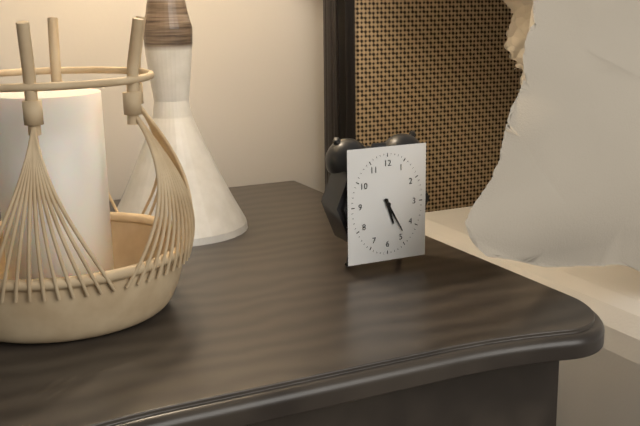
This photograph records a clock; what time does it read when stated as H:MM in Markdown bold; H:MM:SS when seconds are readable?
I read **5:25**
